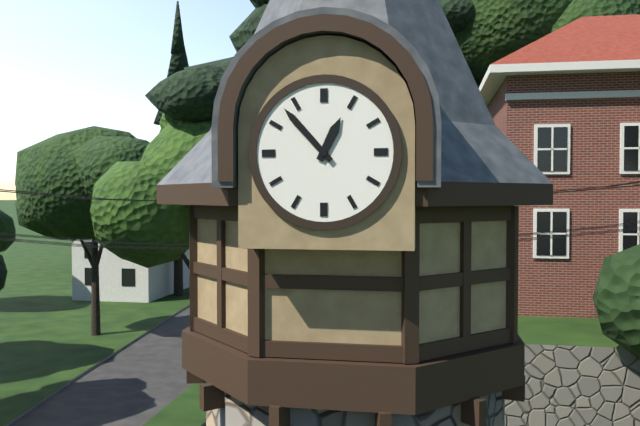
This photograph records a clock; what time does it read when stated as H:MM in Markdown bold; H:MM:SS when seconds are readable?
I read **12:53**
